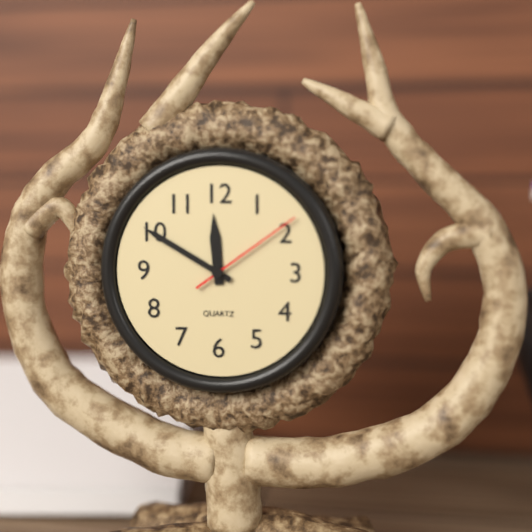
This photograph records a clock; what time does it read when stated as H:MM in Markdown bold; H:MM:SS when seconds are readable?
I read **11:50:09**
